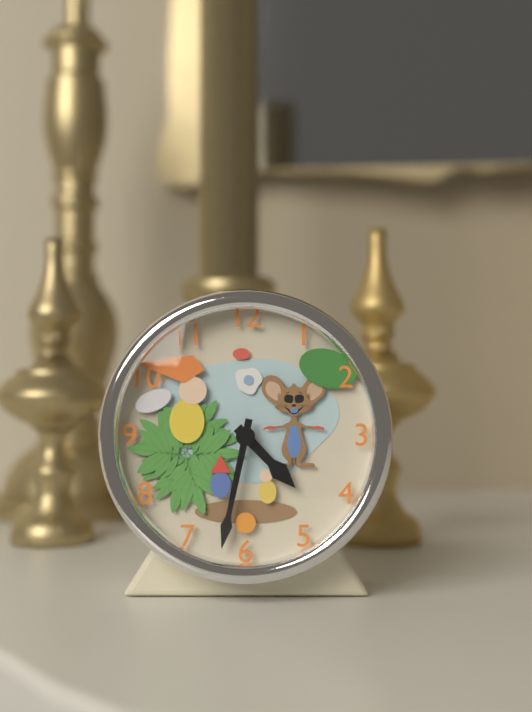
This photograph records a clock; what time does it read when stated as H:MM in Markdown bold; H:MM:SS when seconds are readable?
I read **4:32**
